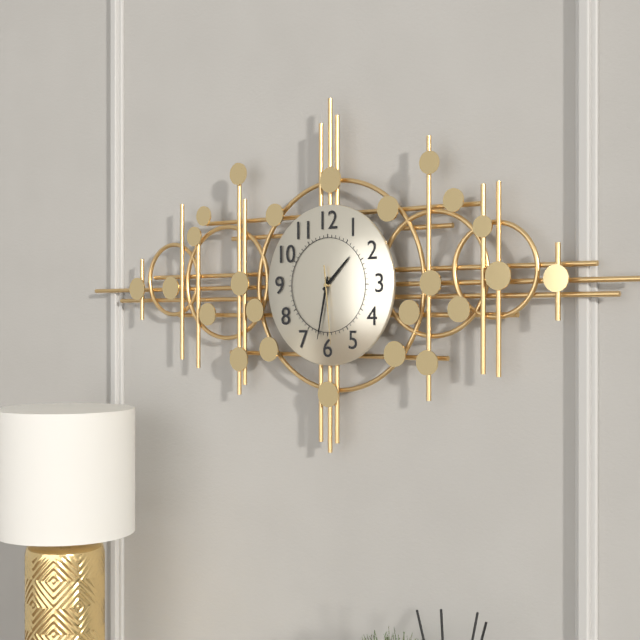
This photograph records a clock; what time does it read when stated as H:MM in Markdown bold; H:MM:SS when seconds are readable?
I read **1:32:29**
